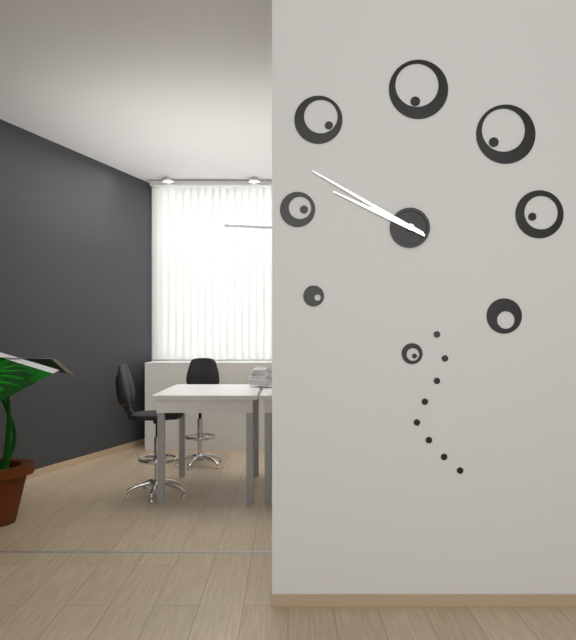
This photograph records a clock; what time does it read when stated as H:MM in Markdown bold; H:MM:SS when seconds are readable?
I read **9:50**
